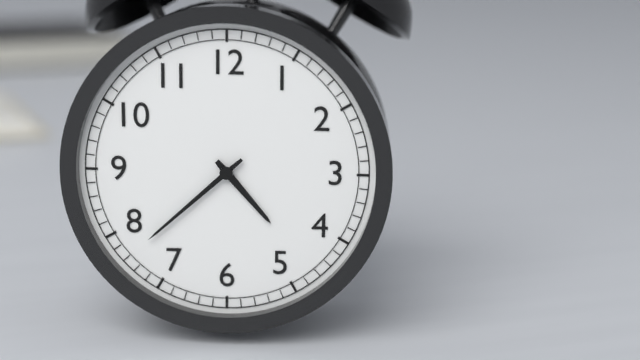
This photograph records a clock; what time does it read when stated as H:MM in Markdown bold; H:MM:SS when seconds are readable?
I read **4:38**
